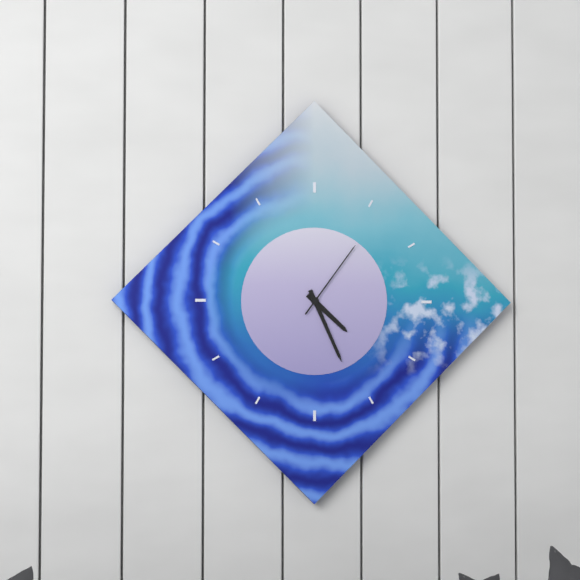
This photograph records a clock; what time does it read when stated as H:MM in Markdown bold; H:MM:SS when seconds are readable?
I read **4:26:06**
